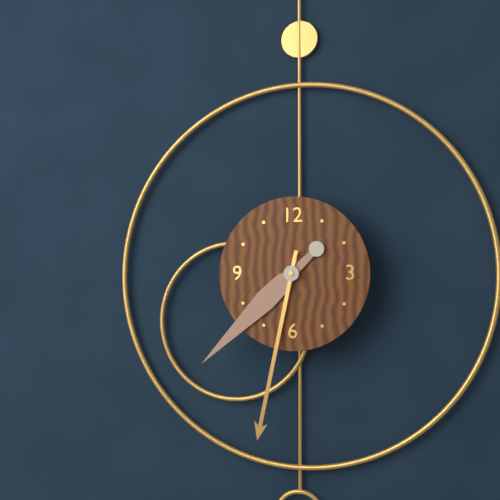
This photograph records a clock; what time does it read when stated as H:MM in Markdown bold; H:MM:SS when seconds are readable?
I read **7:32**
